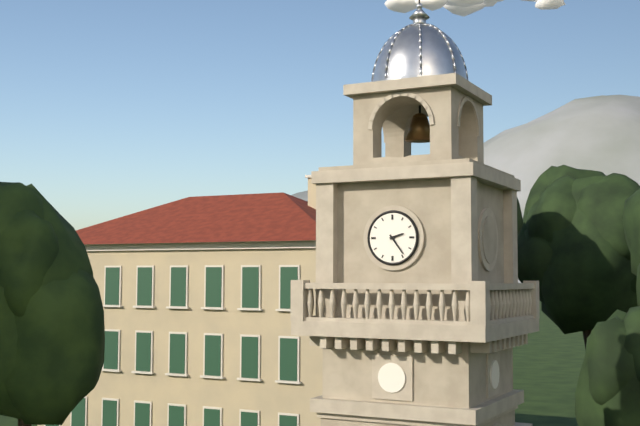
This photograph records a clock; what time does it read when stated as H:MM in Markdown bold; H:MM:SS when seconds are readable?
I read **2:24**
